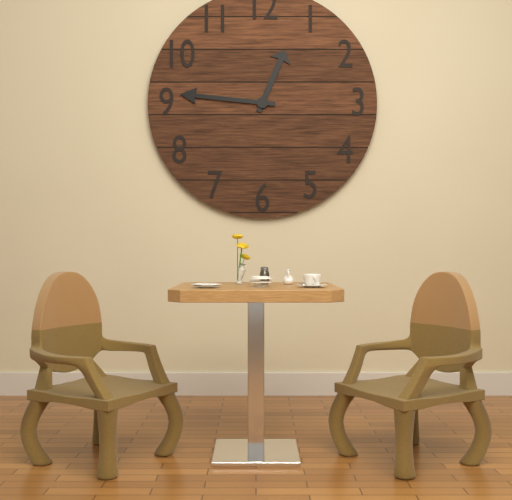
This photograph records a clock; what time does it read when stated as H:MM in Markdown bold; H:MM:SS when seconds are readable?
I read **12:46**
